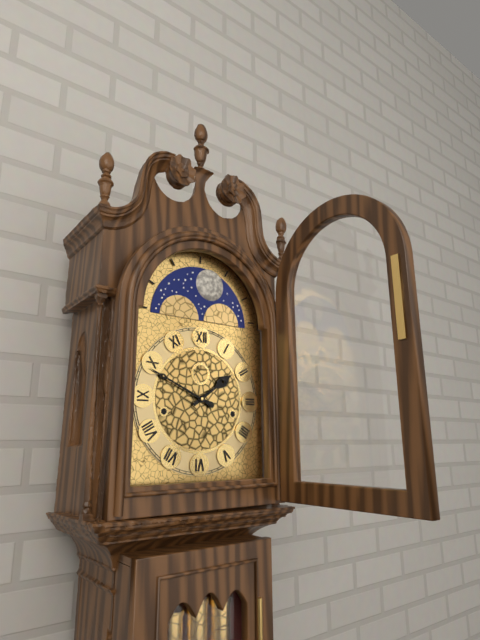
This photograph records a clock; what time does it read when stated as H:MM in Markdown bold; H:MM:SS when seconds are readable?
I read **1:49**
